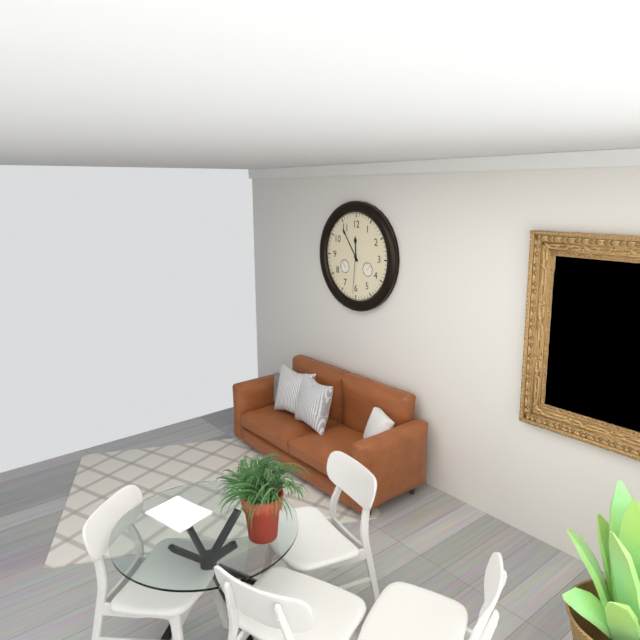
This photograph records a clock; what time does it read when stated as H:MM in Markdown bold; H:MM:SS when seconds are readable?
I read **11:54**
